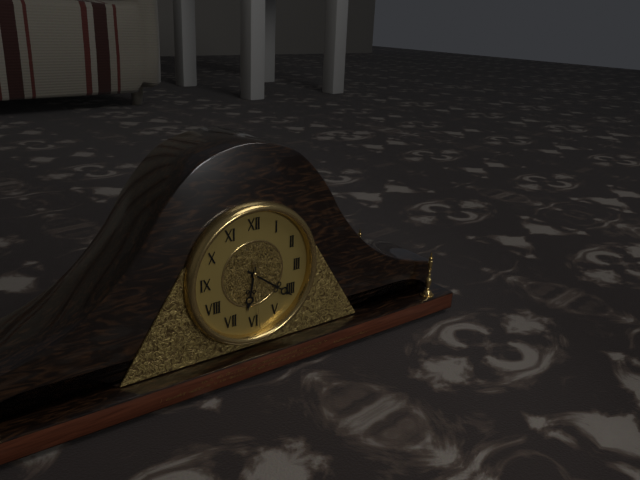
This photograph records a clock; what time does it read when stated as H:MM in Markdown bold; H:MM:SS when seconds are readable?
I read **6:21:29**
